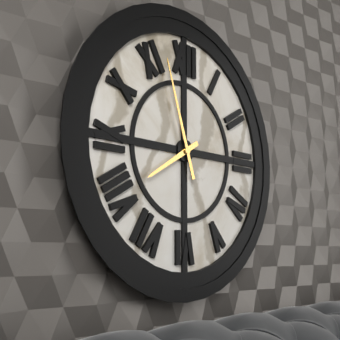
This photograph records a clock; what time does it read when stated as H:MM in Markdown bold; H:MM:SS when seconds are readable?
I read **7:57**
